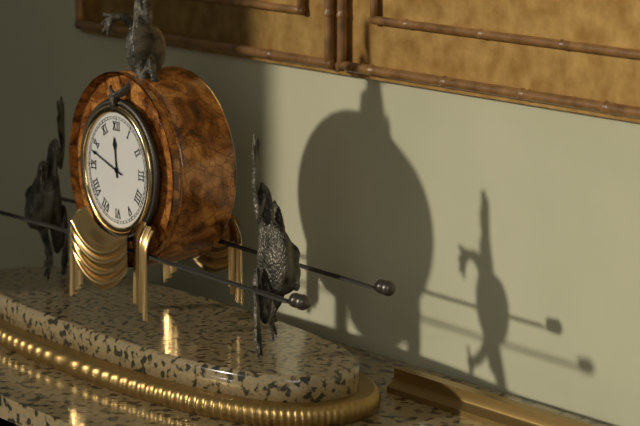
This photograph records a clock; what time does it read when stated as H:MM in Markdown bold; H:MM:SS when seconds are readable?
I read **11:48**
